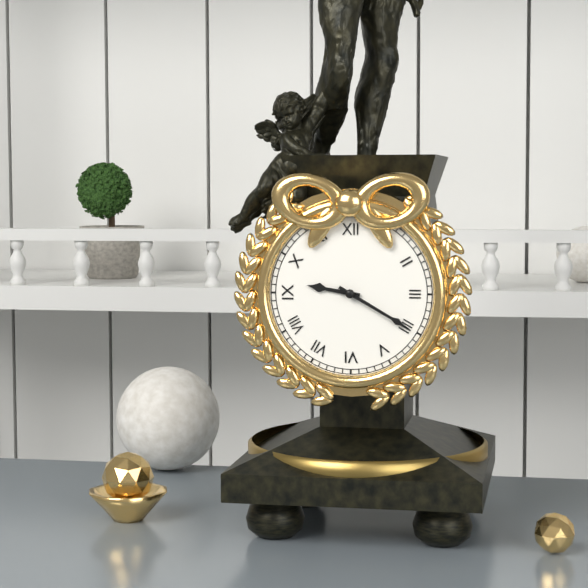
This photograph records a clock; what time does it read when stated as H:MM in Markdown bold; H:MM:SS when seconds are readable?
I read **9:20**
